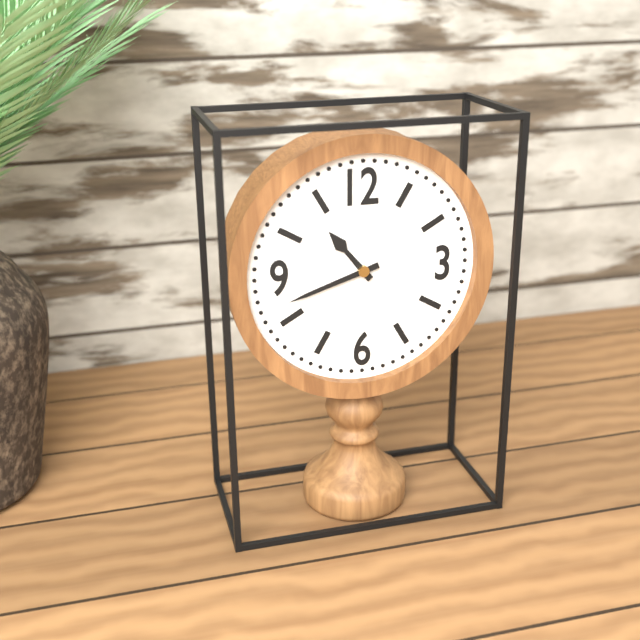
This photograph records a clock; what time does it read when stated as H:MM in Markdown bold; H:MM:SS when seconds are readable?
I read **10:42**
